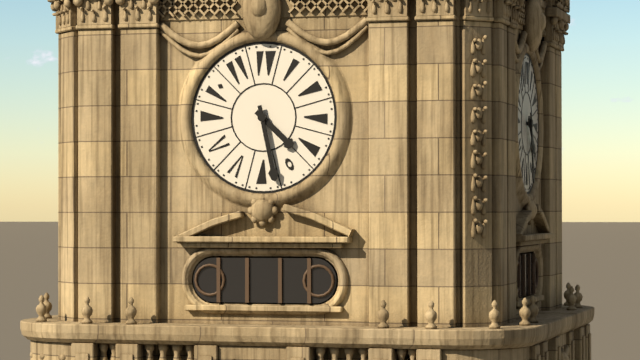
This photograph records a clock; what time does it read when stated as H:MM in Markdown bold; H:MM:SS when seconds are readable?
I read **4:28**
